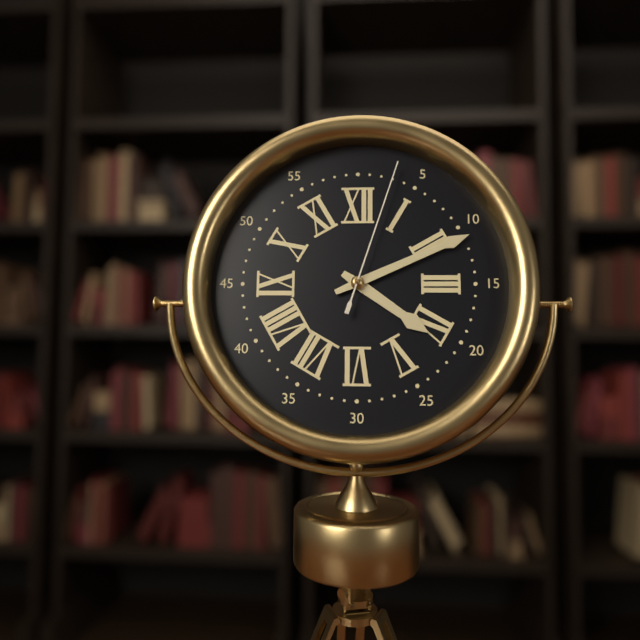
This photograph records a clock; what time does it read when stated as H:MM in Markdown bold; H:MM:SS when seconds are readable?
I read **4:11:03**
